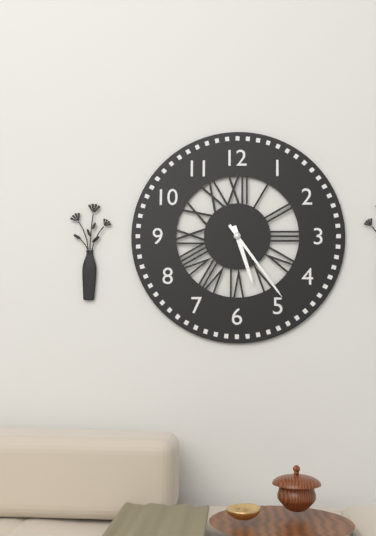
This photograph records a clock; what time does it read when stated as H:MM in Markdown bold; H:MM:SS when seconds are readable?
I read **5:24**
